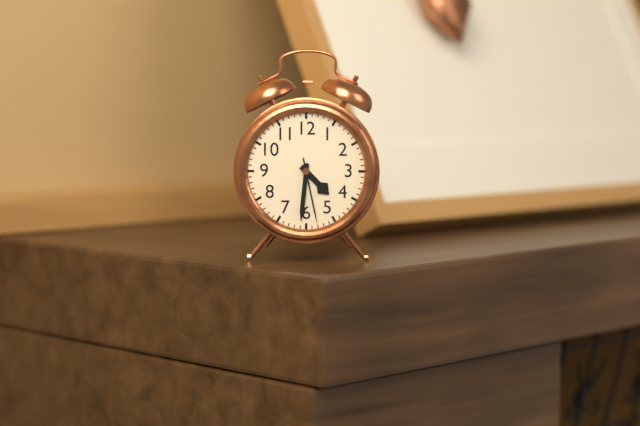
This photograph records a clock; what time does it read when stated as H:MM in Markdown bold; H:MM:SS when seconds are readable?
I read **4:31:28**
